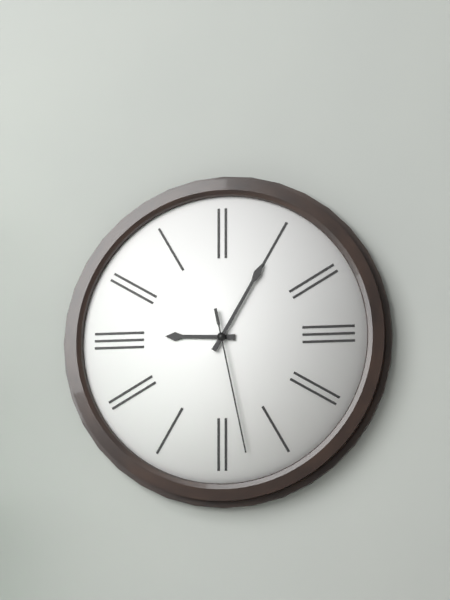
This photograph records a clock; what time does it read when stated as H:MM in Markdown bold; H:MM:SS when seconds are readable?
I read **9:05:28**
